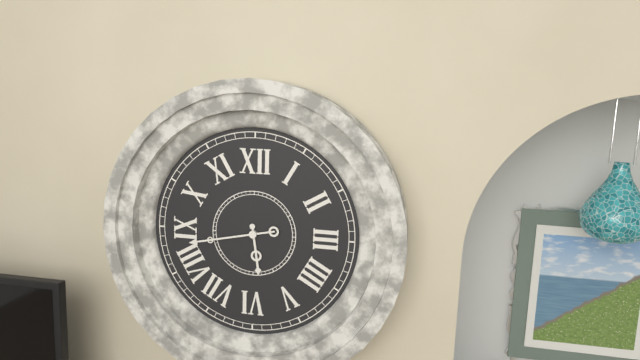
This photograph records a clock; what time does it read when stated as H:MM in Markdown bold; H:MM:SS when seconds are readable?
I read **5:43**
